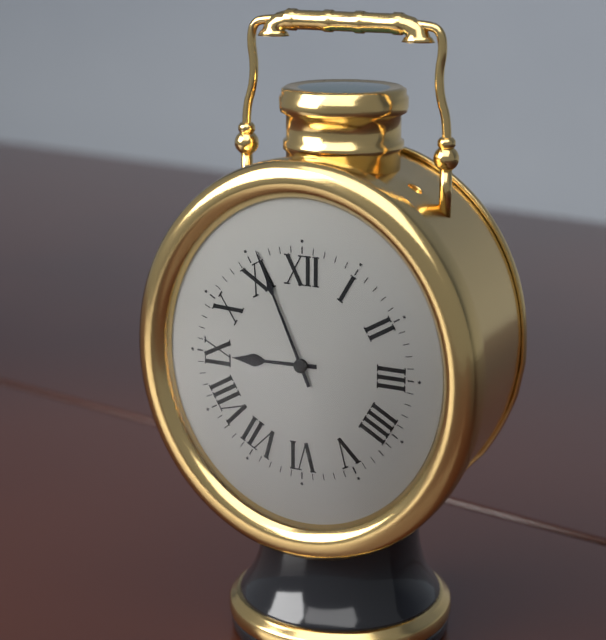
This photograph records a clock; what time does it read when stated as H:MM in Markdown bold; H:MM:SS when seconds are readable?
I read **8:56**
